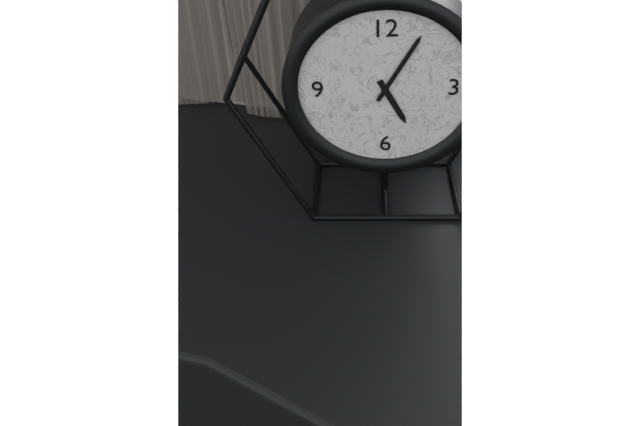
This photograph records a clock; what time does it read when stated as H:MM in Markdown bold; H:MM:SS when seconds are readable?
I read **5:05**
